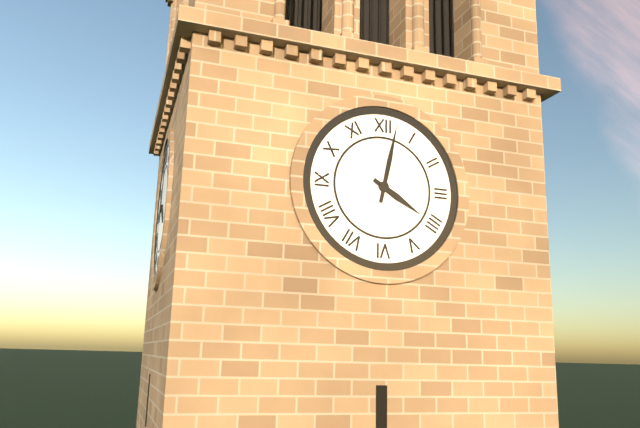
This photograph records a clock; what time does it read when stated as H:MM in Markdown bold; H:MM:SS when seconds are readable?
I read **4:02**
